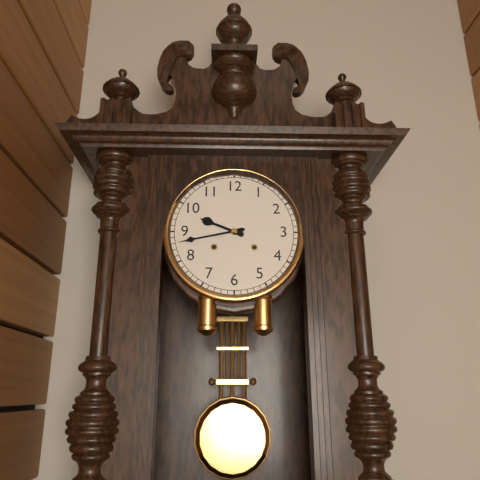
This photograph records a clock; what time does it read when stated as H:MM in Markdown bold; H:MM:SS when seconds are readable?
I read **9:43**
